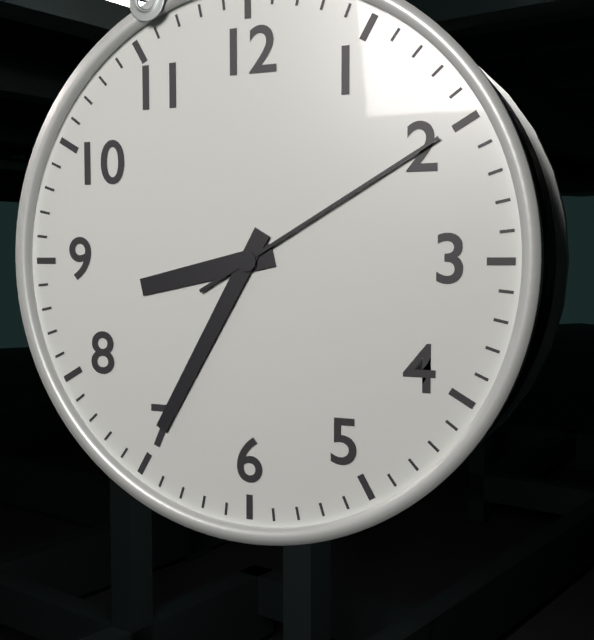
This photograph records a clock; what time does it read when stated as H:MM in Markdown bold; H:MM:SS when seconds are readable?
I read **8:35:10**
